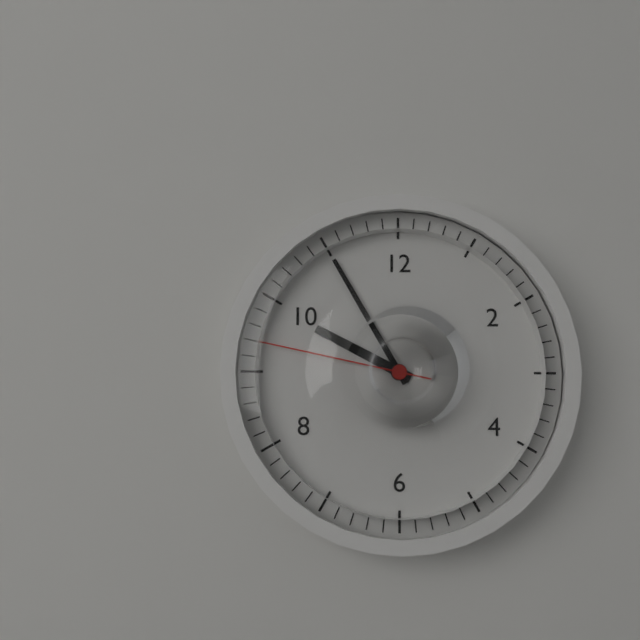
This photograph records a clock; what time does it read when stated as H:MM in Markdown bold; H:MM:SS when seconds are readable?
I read **9:55:47**
